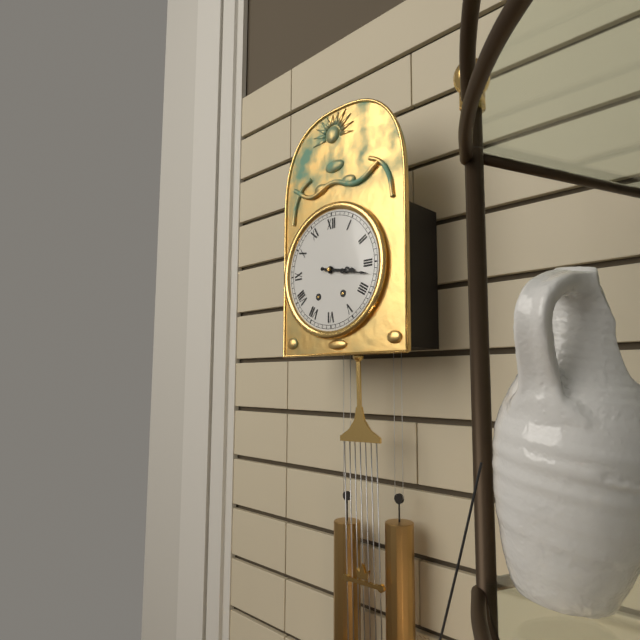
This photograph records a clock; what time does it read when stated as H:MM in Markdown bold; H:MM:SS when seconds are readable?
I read **3:17**
